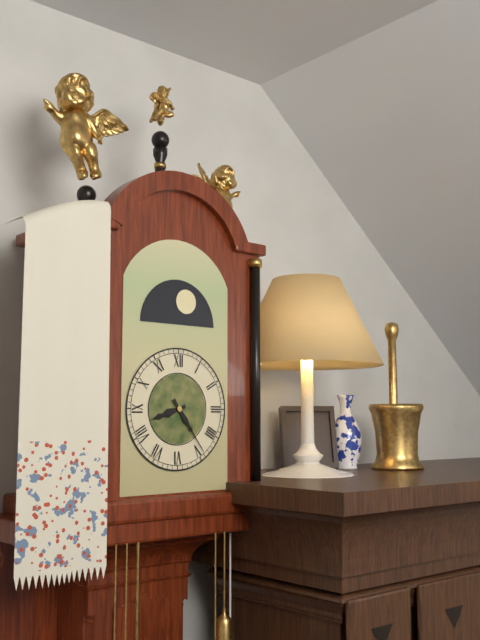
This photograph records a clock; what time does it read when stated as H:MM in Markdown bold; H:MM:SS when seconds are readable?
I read **8:24**
